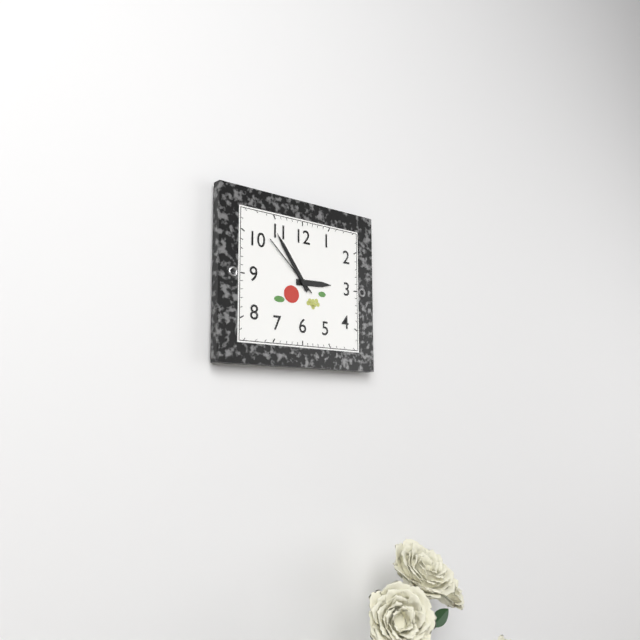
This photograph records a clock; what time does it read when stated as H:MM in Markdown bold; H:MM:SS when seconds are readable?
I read **2:54:52**
